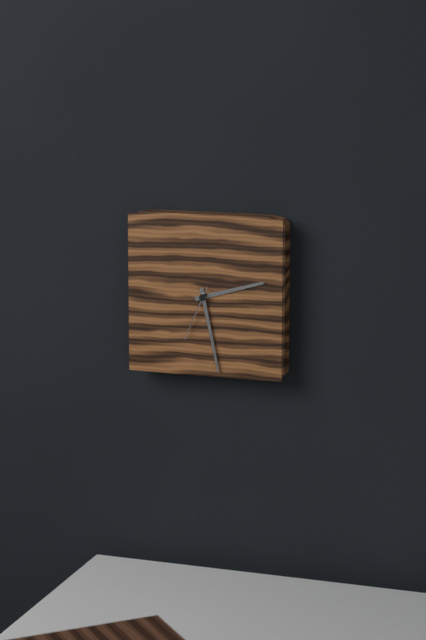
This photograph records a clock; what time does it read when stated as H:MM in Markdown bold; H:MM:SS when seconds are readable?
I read **2:28:34**
